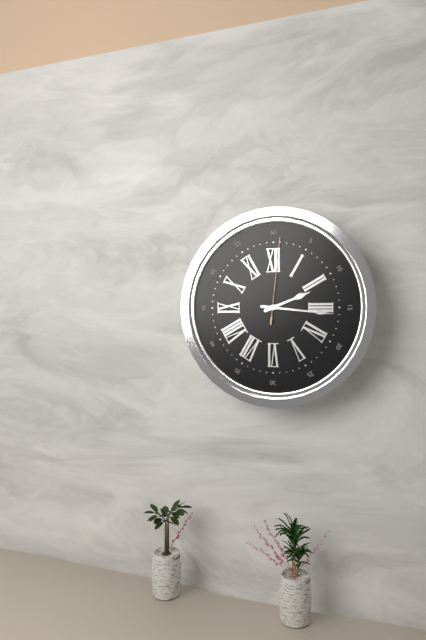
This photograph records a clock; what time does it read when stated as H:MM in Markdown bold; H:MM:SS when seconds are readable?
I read **2:16:01**
